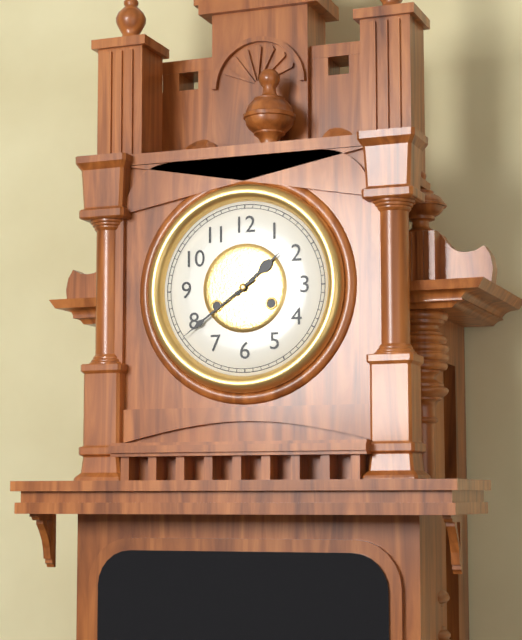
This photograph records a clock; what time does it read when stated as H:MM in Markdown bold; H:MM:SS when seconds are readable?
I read **1:39**
